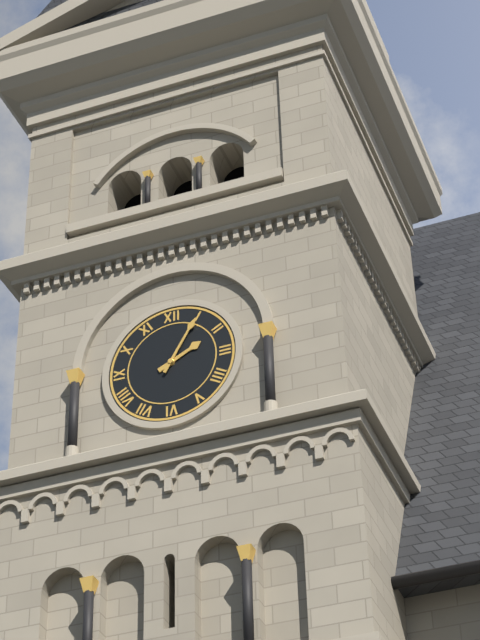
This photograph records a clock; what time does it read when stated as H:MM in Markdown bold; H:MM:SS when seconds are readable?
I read **2:05**
